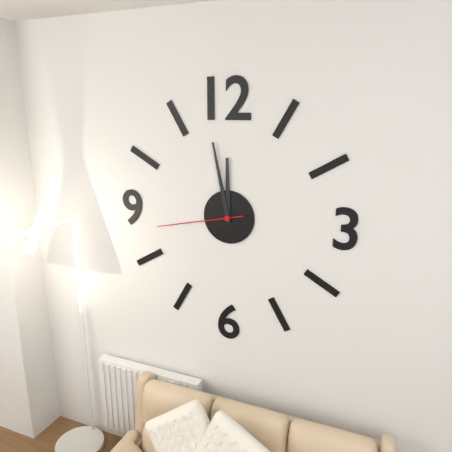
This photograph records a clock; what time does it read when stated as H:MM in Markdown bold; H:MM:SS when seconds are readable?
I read **11:58:43**
